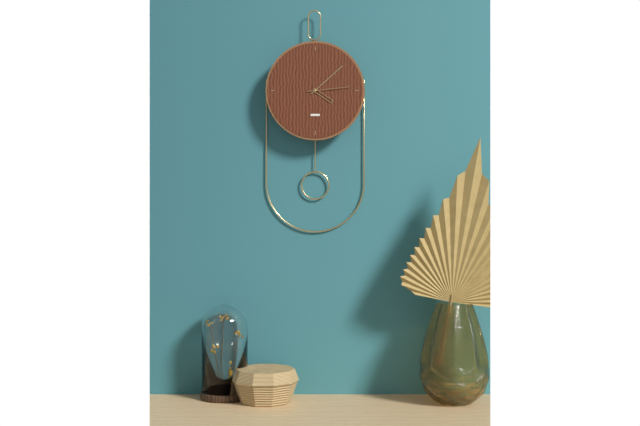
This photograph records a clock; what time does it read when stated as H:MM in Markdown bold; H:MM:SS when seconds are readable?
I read **4:08**
